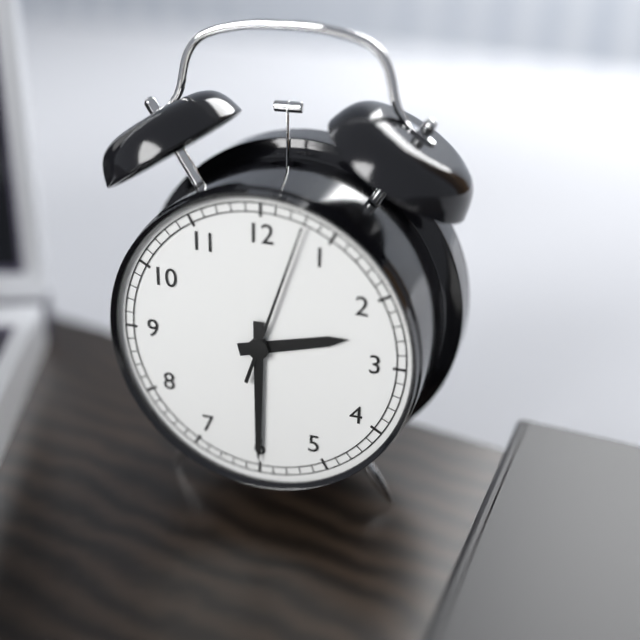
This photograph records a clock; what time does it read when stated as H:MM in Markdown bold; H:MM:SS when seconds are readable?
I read **2:30:03**
